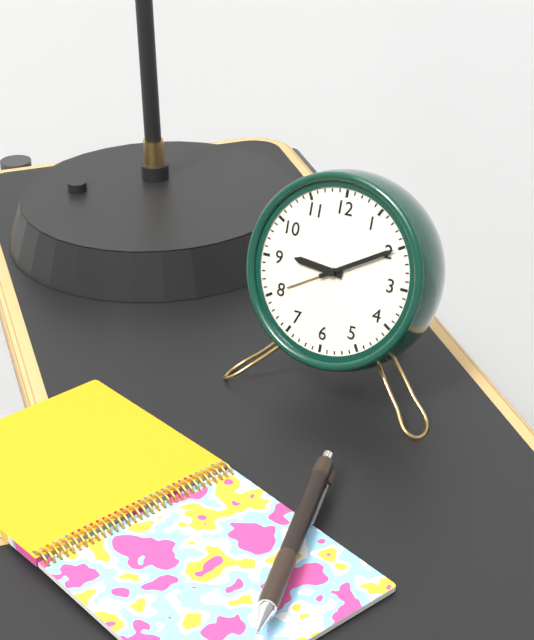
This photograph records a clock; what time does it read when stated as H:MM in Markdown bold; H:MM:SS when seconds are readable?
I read **9:10**
